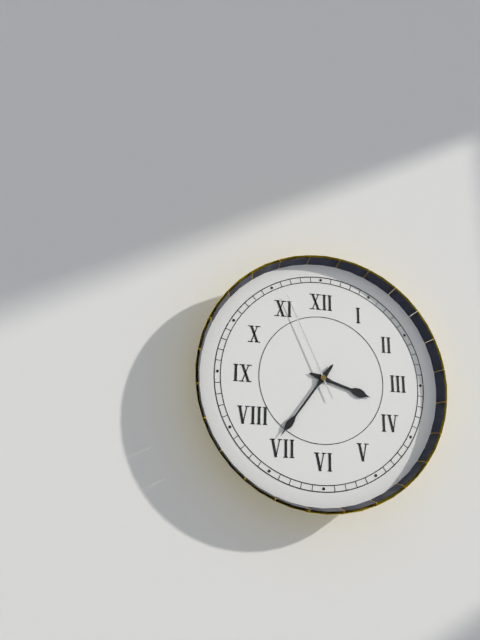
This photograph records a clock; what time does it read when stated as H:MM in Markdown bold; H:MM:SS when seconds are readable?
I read **3:36:56**
